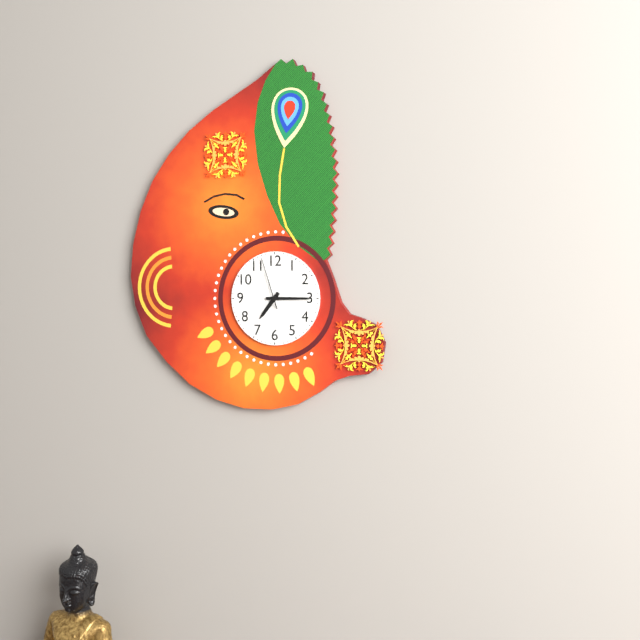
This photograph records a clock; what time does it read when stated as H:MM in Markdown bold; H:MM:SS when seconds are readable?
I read **7:15:57**
